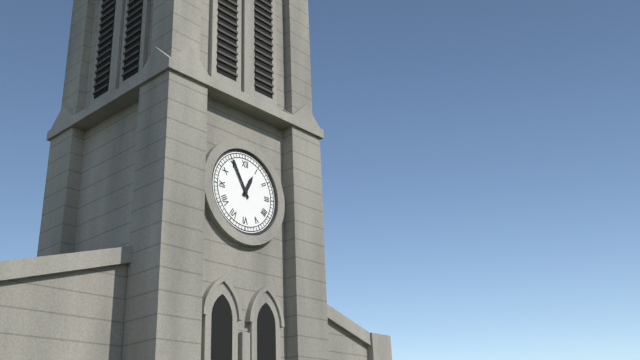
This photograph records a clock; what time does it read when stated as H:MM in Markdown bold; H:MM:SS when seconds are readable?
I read **12:55**
